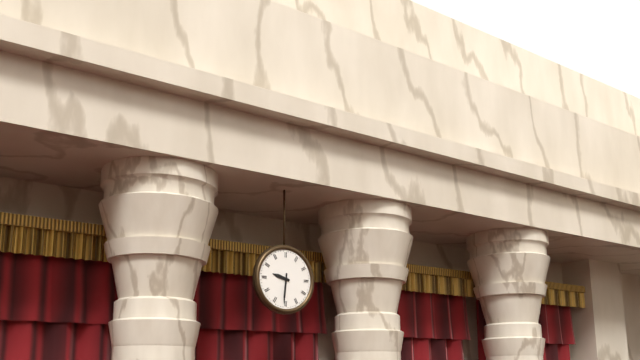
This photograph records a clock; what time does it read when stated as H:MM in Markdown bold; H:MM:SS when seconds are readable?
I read **9:31**
